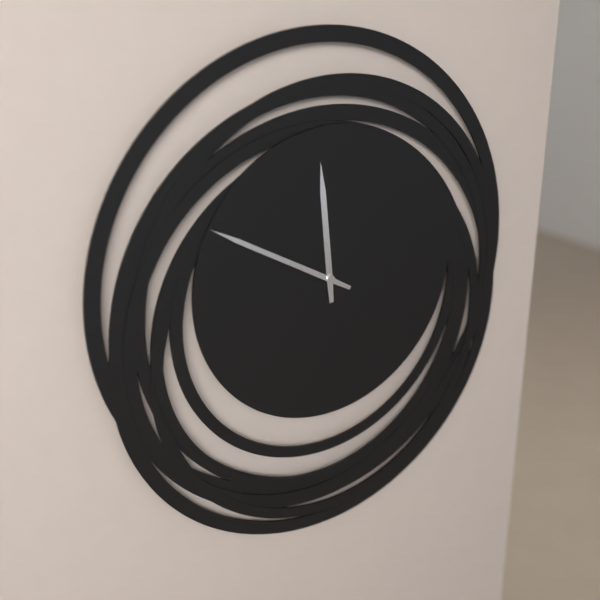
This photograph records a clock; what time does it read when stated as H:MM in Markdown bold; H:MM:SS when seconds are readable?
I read **11:50**
